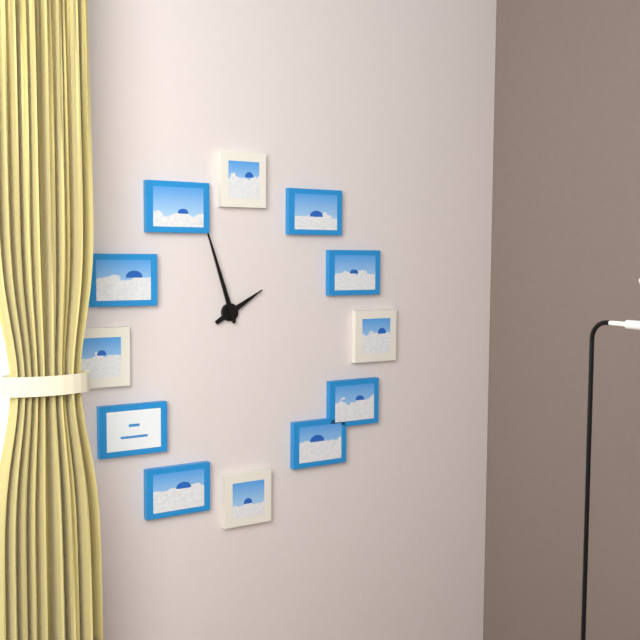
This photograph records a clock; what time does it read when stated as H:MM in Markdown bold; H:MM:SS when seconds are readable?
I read **1:57**
